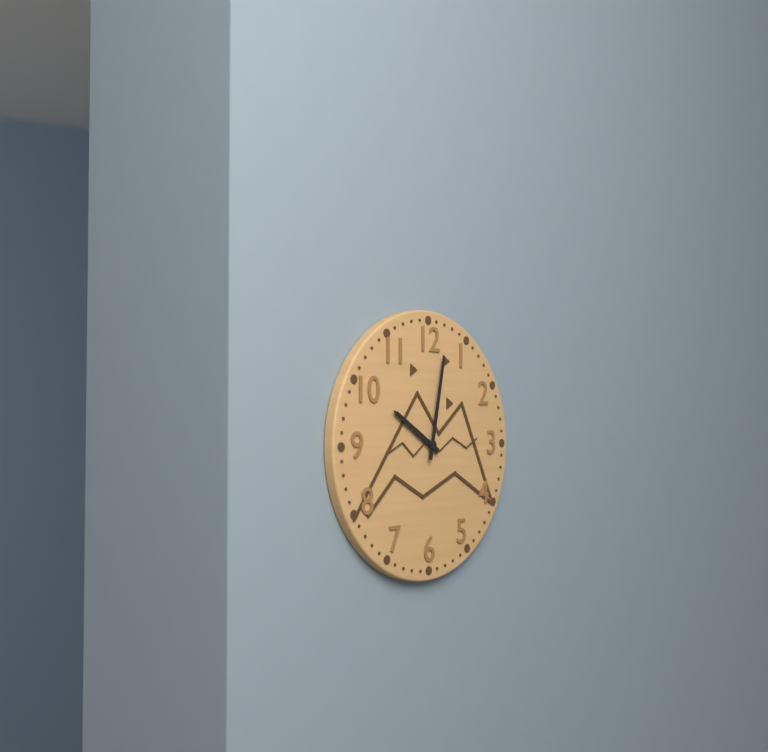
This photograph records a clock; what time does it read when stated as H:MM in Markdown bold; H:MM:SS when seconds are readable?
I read **10:02**
